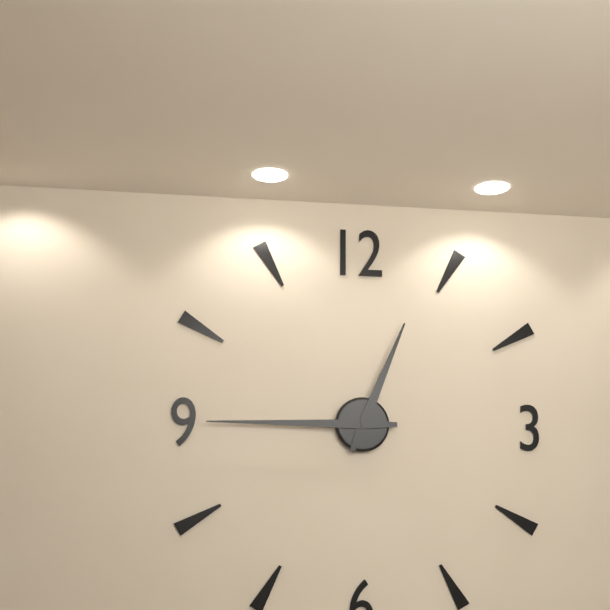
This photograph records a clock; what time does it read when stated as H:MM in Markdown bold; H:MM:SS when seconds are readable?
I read **12:45**
